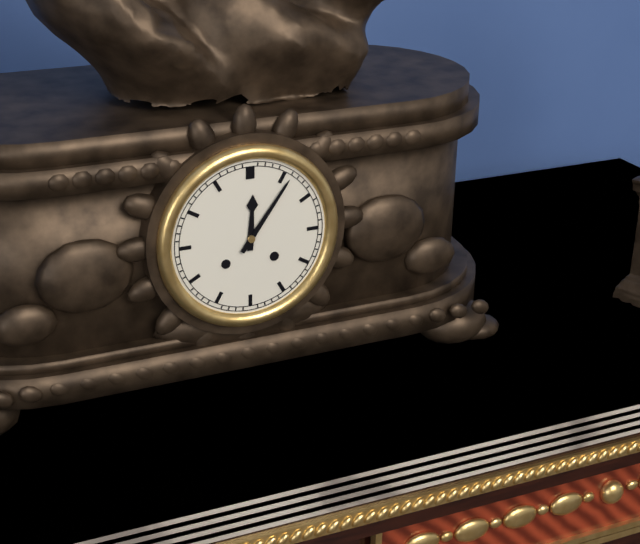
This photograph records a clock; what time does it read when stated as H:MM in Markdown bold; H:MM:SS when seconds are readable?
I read **12:06**
